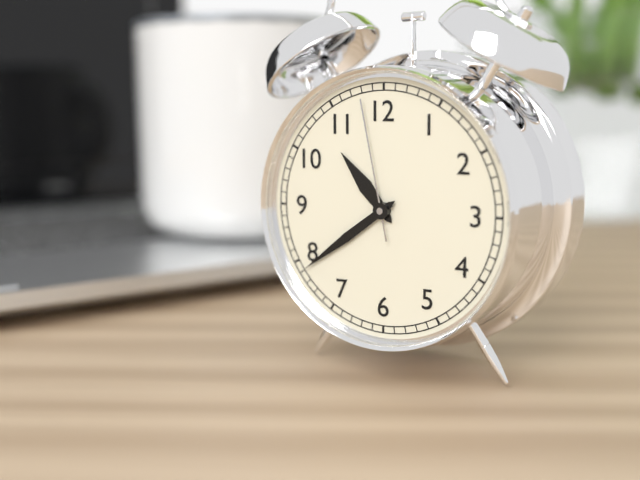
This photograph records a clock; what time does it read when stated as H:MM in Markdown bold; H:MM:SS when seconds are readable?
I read **10:39:58**
